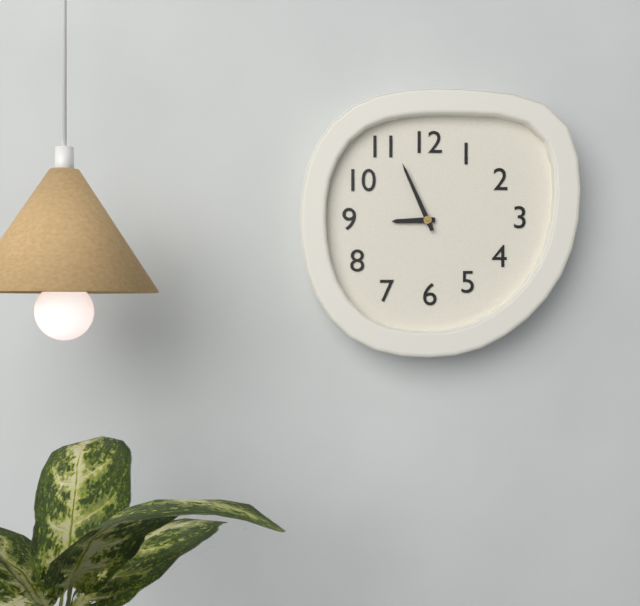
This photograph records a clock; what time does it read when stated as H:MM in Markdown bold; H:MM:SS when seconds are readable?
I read **8:56**
